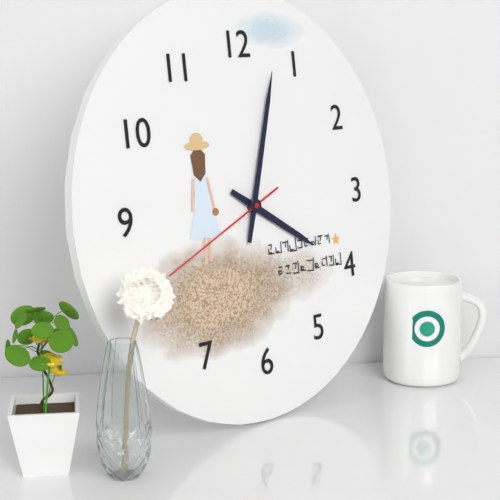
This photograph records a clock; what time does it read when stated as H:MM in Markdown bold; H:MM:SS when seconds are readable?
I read **4:03:41**
